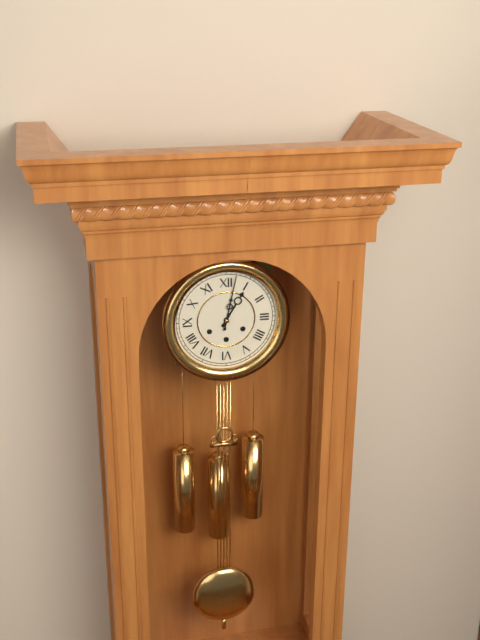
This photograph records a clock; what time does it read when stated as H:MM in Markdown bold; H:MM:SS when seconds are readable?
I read **1:02**
